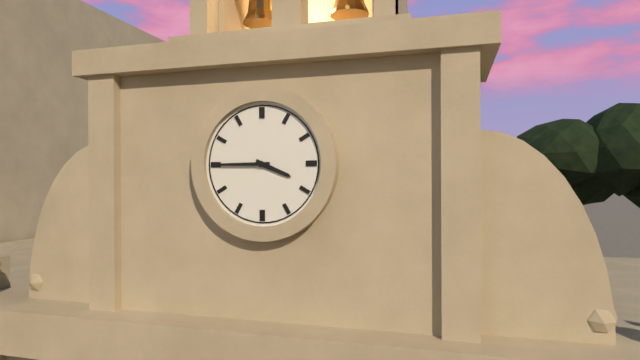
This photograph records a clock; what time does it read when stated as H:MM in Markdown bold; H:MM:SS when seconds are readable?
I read **3:45**
